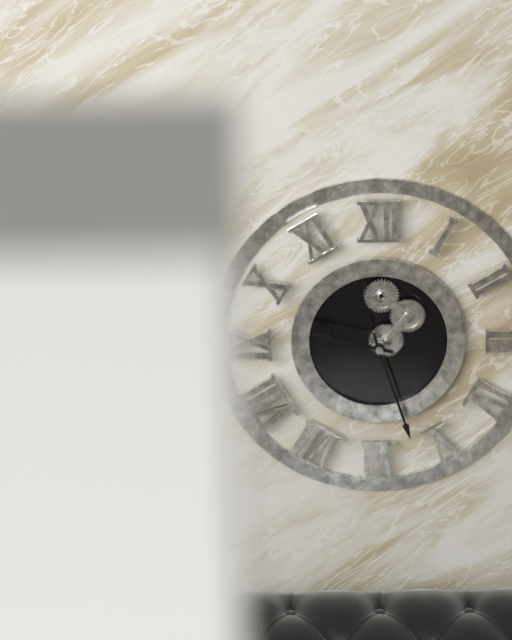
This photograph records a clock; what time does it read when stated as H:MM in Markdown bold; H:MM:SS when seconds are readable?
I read **9:27**
